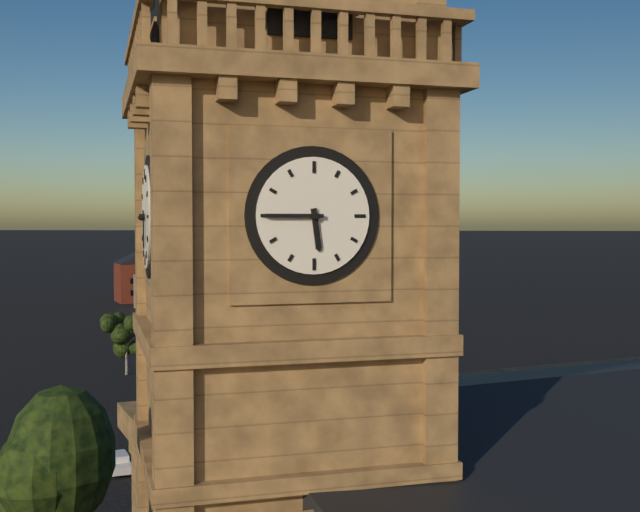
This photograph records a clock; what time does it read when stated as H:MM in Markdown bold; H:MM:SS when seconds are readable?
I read **5:45**
